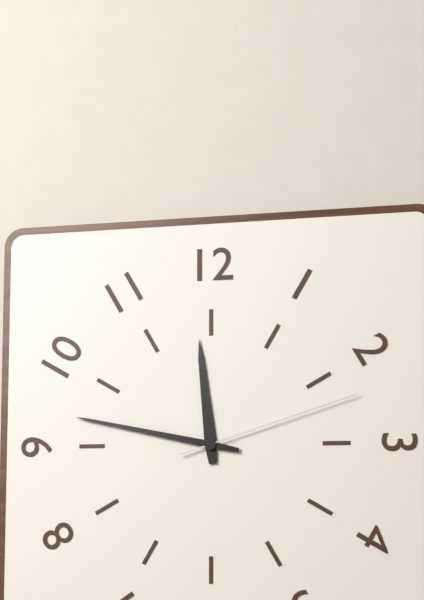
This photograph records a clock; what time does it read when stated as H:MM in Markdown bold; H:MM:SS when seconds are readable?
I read **11:47:12**
